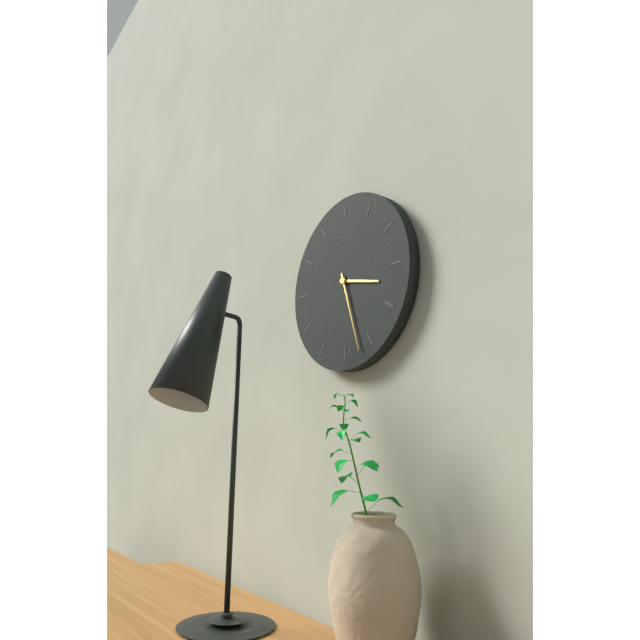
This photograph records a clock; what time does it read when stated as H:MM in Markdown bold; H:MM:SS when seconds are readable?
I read **3:27**
